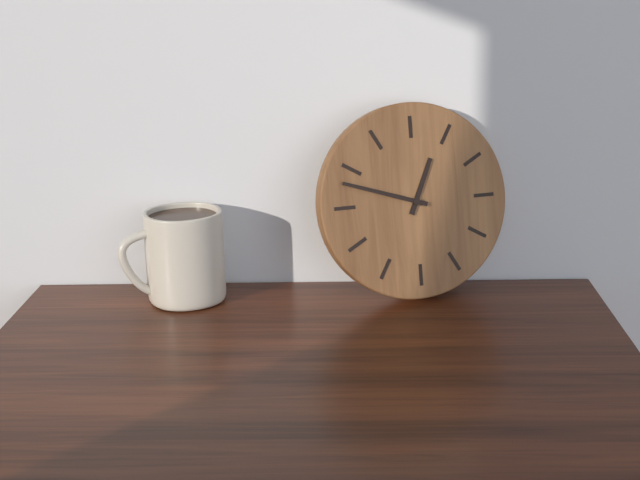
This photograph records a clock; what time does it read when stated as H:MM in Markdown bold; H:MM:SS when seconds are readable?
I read **12:48**
